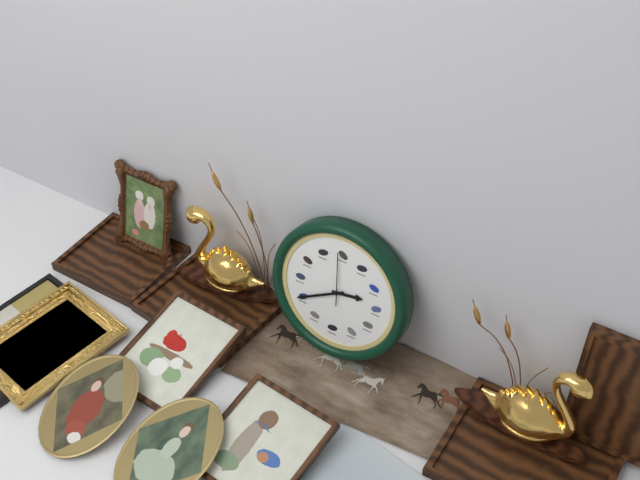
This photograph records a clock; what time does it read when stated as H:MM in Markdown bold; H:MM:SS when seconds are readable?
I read **2:40**
